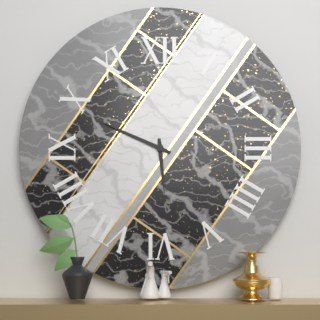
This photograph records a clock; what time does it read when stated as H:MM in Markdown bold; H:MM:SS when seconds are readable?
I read **5:49**
